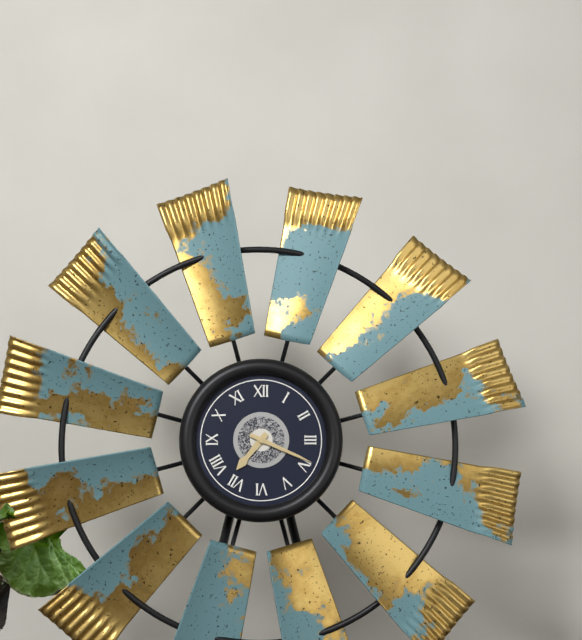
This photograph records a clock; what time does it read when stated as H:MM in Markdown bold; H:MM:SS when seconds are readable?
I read **7:19**
